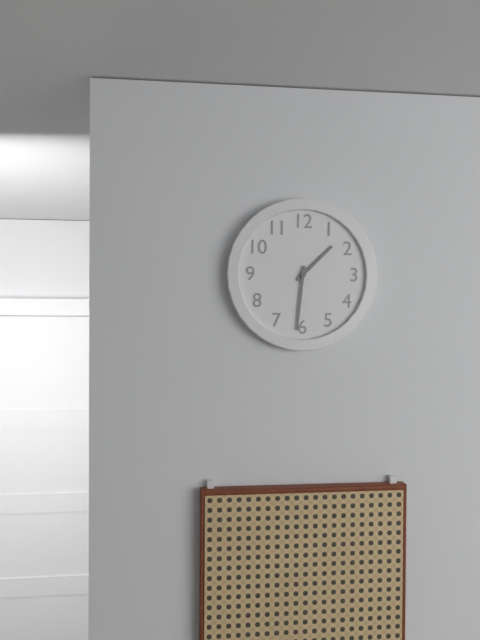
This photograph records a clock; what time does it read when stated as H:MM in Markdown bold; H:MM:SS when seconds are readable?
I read **1:31**
